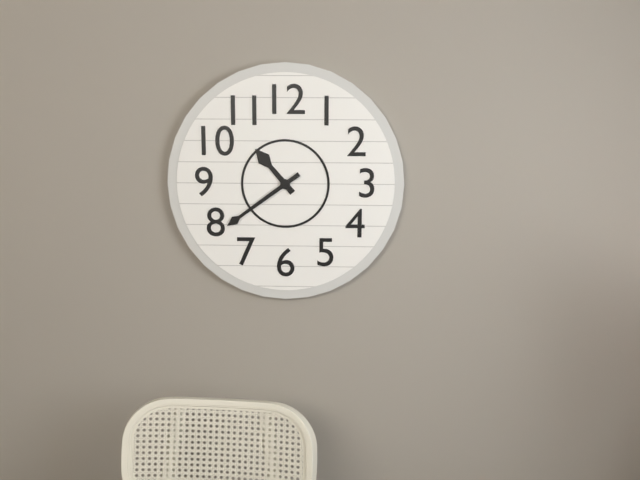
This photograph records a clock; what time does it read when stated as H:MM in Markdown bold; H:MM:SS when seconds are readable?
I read **10:39**
